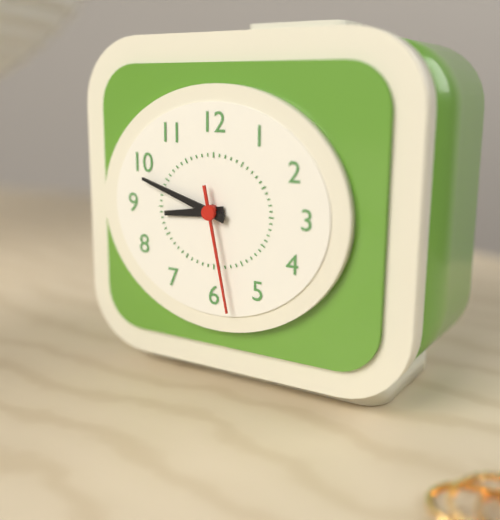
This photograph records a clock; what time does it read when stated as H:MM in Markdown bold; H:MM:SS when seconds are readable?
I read **8:48:28**
